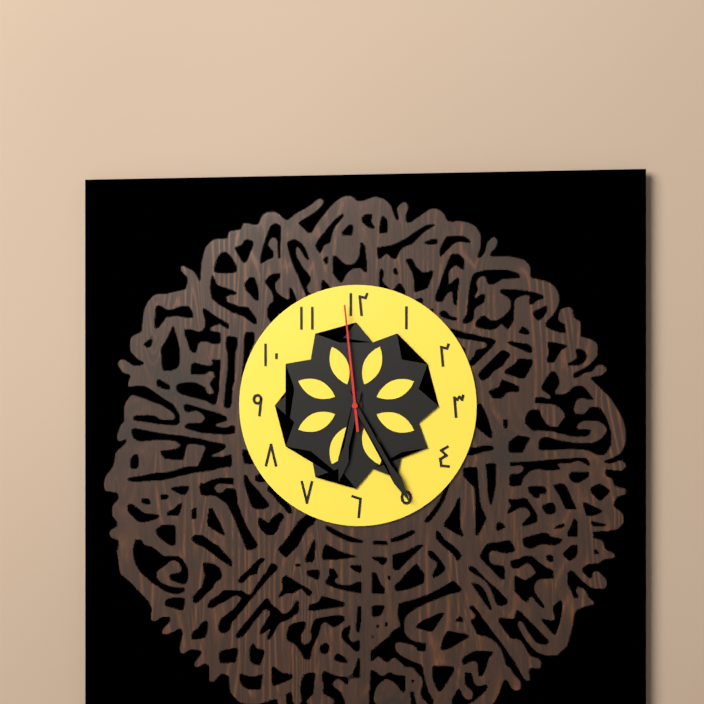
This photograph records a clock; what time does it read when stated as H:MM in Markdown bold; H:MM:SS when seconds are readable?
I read **6:25:59**
